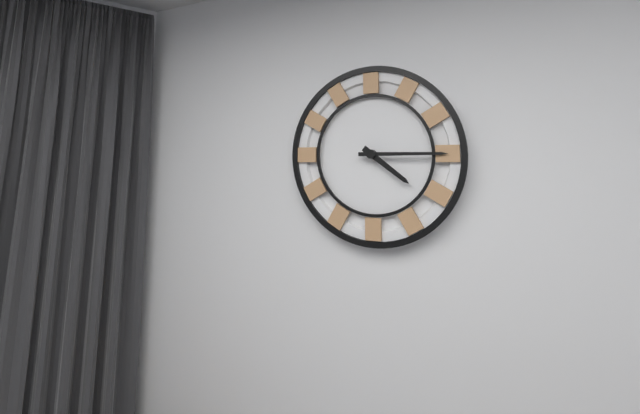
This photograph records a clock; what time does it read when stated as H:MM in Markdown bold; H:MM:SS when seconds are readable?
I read **4:15**
